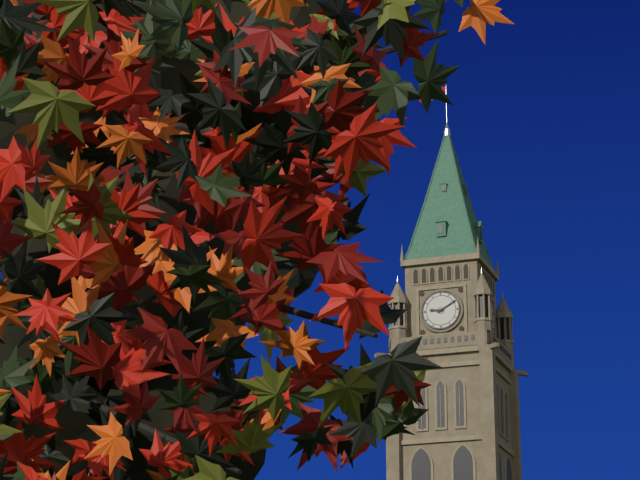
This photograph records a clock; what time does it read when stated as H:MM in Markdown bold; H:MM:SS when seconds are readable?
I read **9:10**
